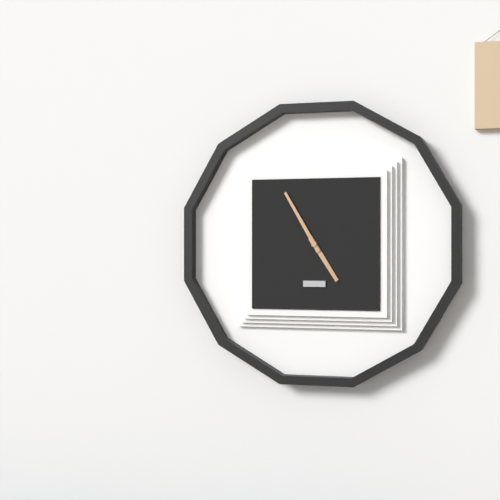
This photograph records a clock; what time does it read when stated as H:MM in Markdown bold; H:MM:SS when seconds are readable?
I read **4:55**
